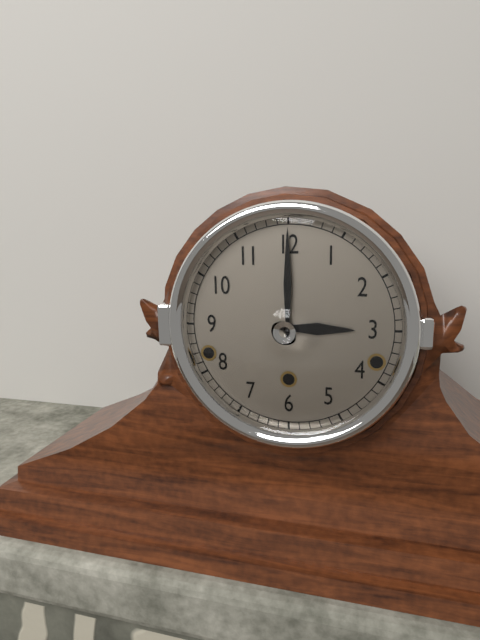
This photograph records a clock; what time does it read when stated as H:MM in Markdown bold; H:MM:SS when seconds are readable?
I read **3:00**
